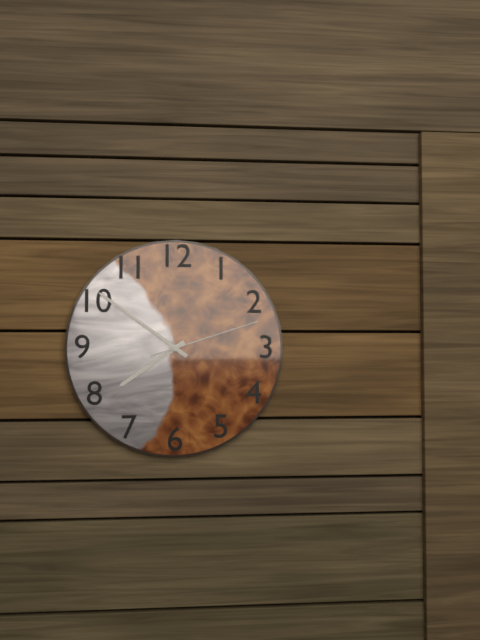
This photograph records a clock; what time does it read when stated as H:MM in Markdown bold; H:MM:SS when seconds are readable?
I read **7:51:12**
